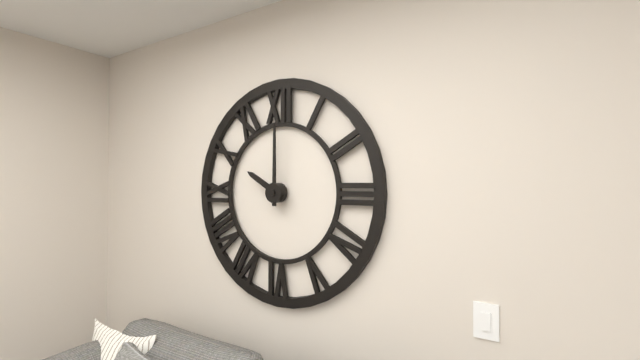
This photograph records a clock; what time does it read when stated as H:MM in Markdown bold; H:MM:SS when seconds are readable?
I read **10:00**
